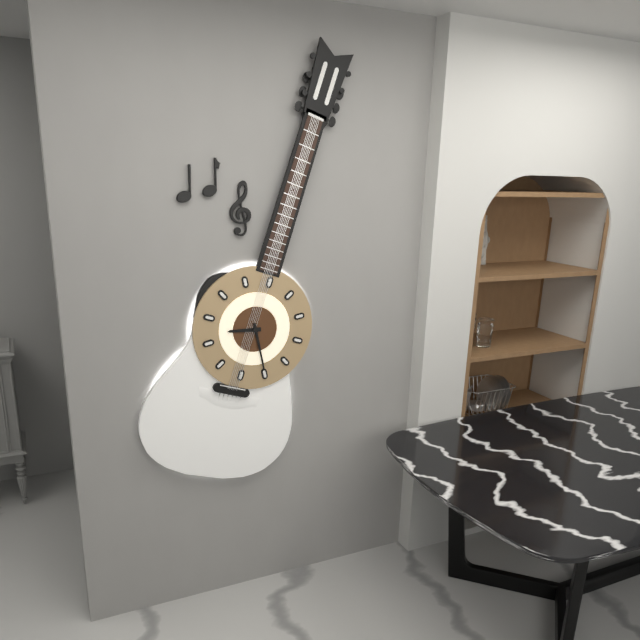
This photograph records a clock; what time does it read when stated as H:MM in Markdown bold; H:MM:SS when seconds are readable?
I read **8:25**
